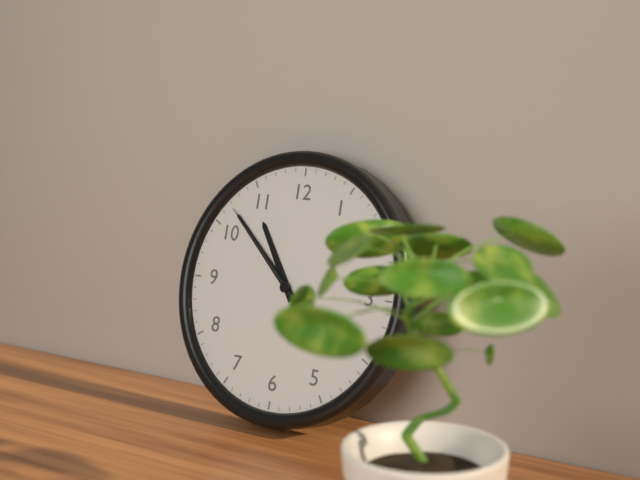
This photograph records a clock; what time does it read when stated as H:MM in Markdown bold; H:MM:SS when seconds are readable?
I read **10:52:52**
